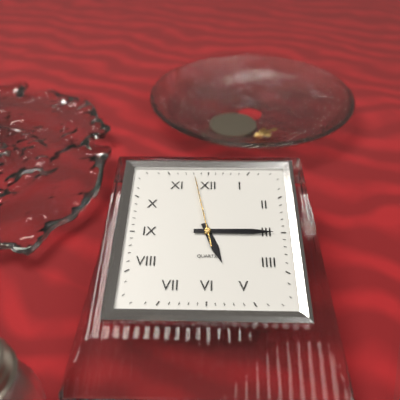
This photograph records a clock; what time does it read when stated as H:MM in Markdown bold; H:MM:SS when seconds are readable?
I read **5:15:58**
